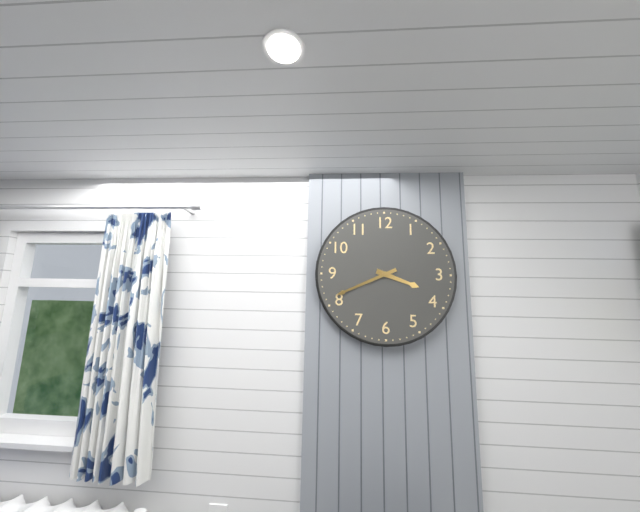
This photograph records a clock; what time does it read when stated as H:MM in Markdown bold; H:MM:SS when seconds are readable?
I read **3:41**
